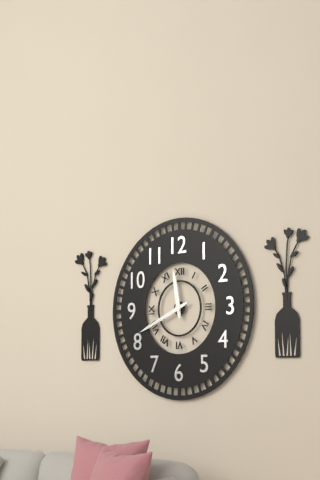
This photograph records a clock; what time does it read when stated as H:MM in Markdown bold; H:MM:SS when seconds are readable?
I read **11:41**
